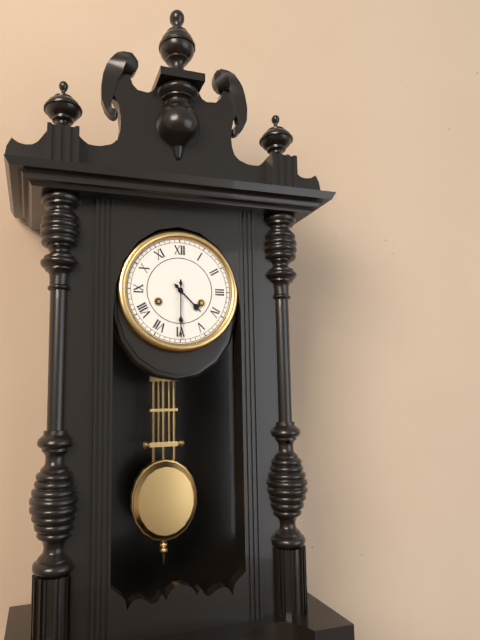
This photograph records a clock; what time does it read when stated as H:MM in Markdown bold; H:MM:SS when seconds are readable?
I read **4:30**
